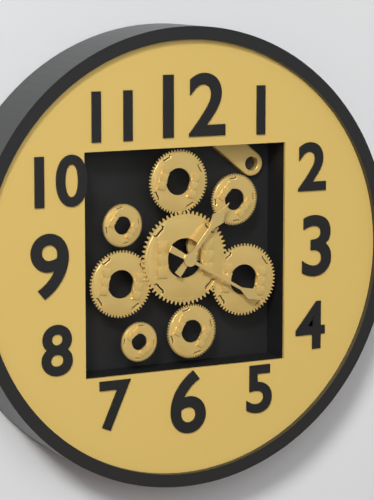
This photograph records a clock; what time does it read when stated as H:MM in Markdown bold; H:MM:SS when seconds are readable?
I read **1:20**
